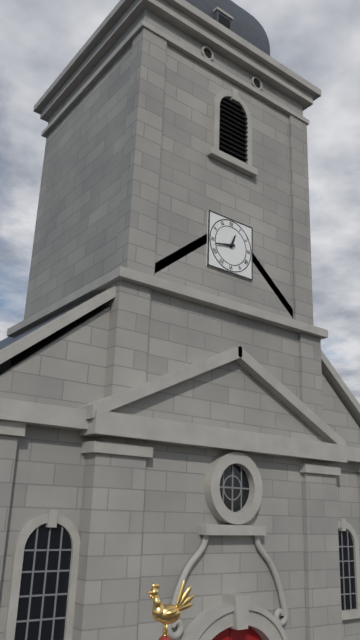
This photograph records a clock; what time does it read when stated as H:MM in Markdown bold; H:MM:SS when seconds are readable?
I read **12:43**
